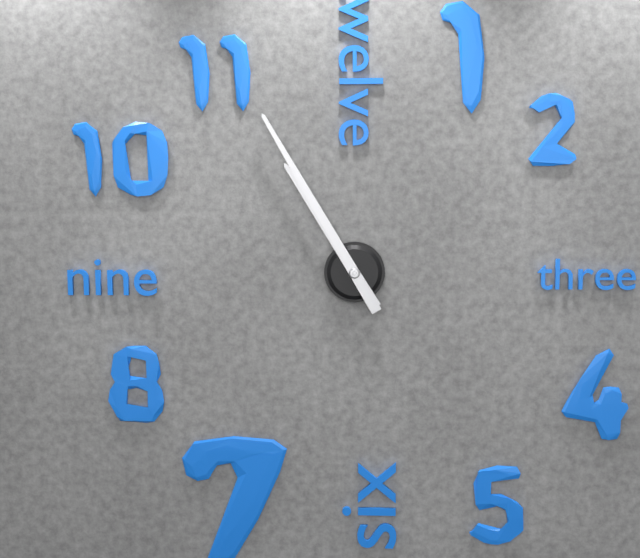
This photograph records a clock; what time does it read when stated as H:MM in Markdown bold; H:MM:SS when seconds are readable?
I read **10:55**
